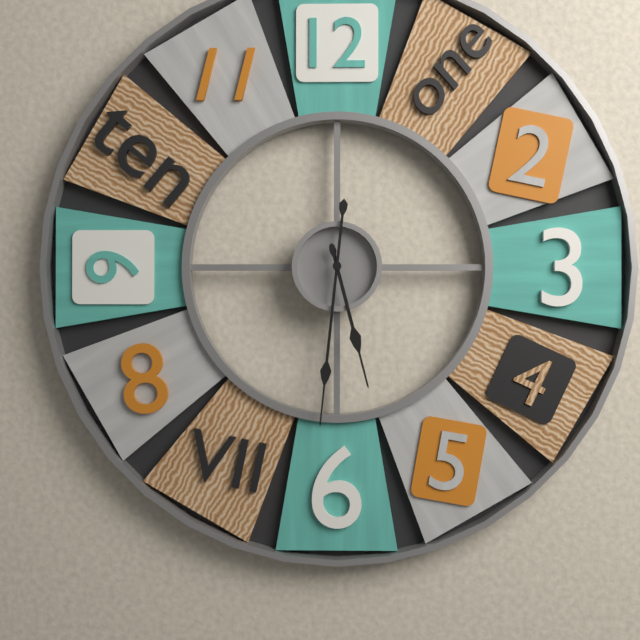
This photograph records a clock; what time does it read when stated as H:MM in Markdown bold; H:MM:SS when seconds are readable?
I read **5:31**
